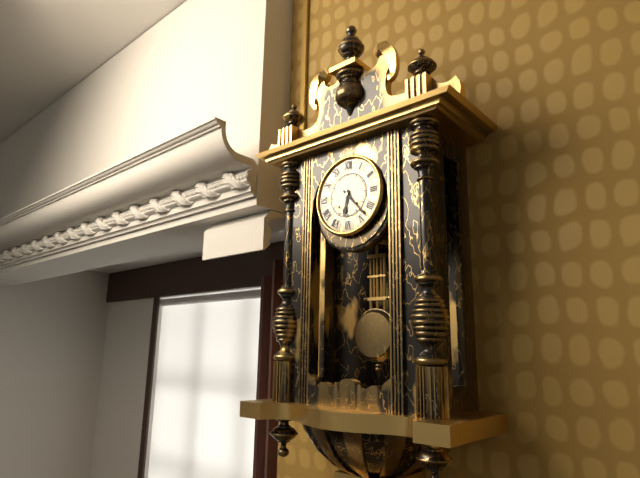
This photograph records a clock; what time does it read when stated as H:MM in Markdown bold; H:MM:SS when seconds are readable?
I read **6:23**
